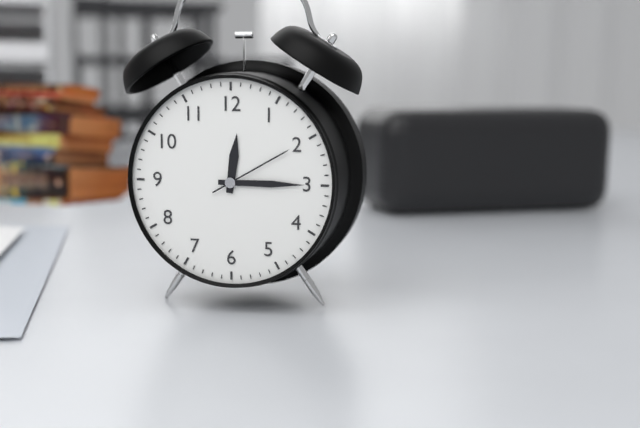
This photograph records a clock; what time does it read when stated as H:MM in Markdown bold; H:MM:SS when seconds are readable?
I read **12:15:10**
